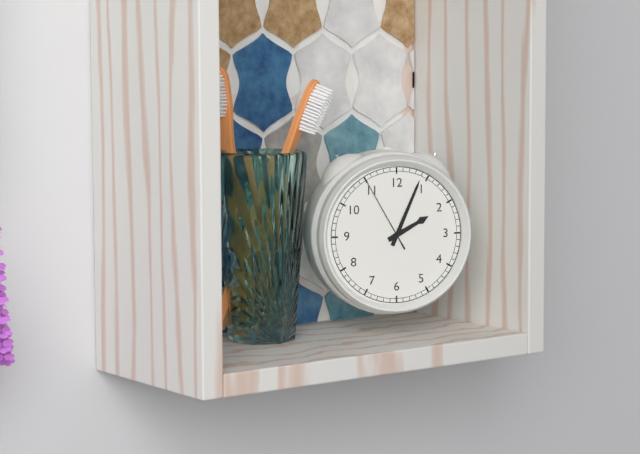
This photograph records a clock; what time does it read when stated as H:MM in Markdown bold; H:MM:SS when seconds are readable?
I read **2:04:55**
